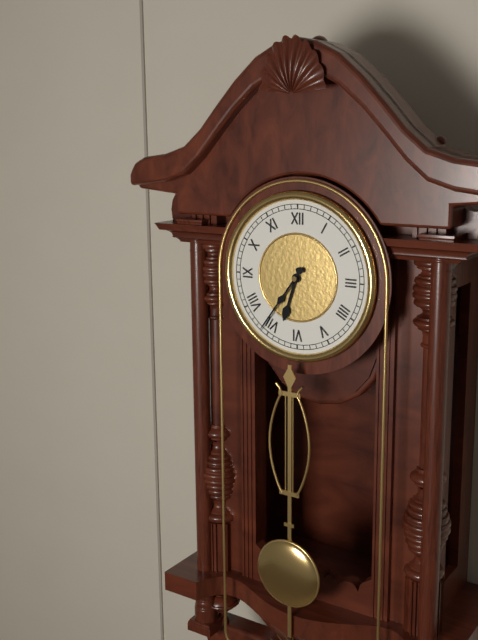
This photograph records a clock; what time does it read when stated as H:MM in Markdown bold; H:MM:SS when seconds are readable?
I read **6:36**
